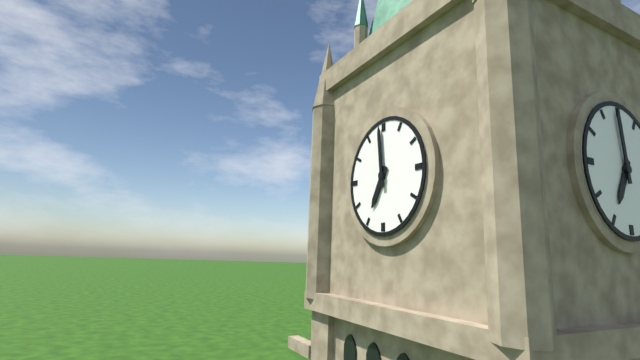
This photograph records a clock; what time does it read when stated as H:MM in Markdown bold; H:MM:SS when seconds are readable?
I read **6:59**
